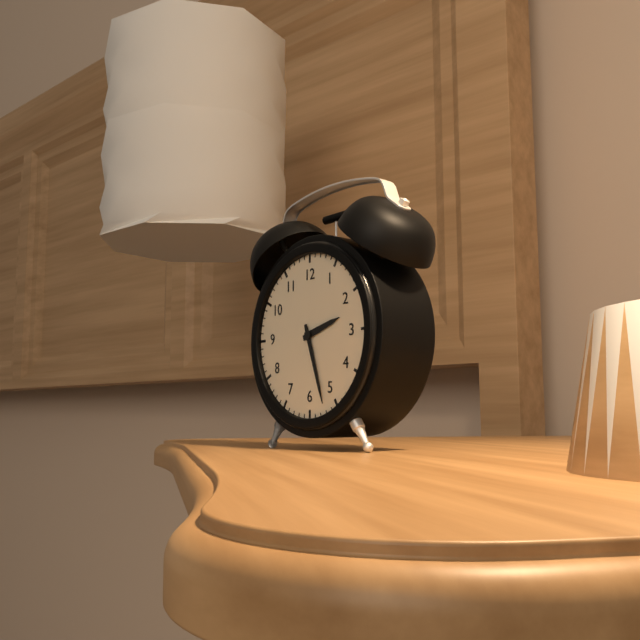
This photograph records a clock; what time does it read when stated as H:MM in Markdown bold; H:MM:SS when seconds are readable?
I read **2:27**
